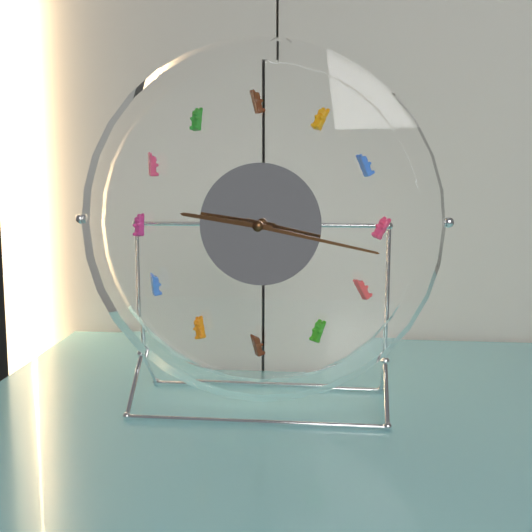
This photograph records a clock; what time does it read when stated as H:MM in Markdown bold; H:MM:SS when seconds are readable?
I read **9:17**
